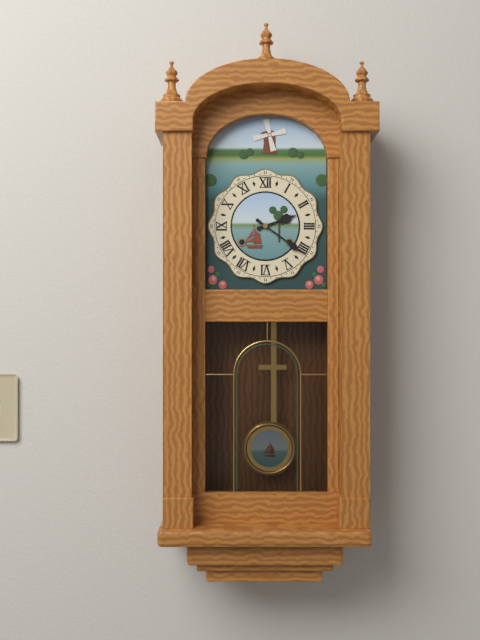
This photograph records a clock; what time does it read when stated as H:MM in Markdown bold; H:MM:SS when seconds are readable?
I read **2:21**
